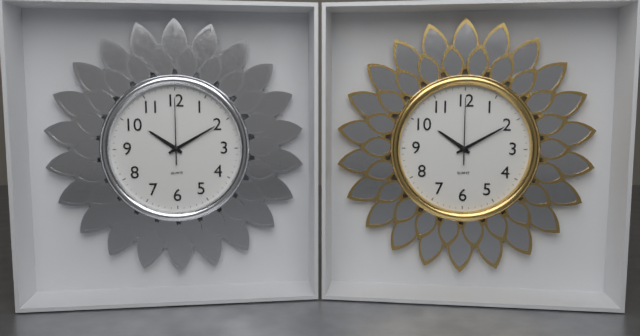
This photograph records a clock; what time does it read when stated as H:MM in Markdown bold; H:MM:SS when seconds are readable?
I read **10:10:00**
